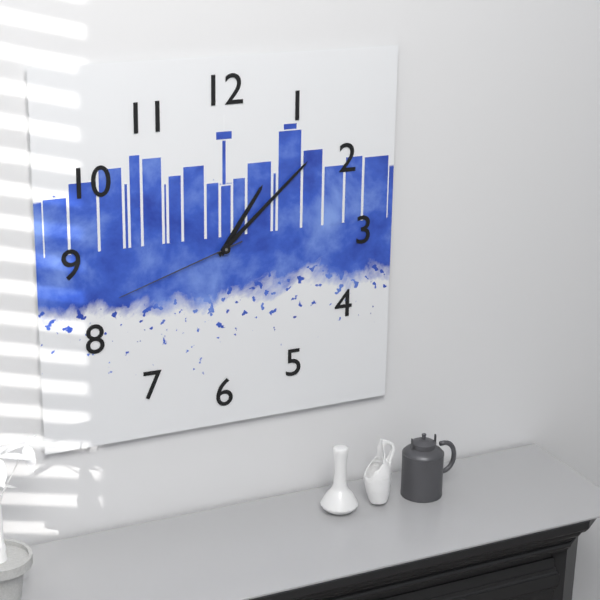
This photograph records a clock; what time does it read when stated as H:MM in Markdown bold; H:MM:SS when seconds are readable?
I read **1:08:42**
